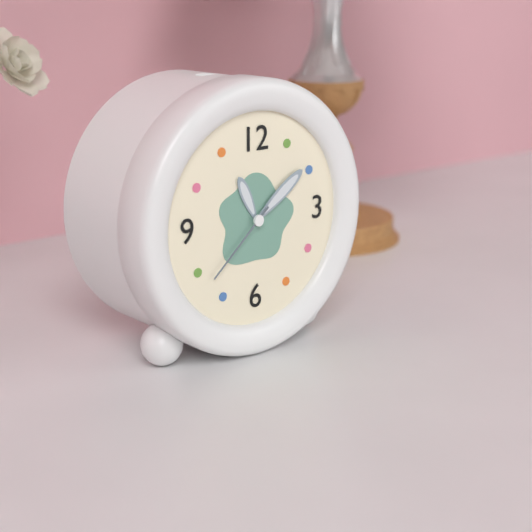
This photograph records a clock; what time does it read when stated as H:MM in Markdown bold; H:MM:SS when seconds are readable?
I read **11:09:38**
